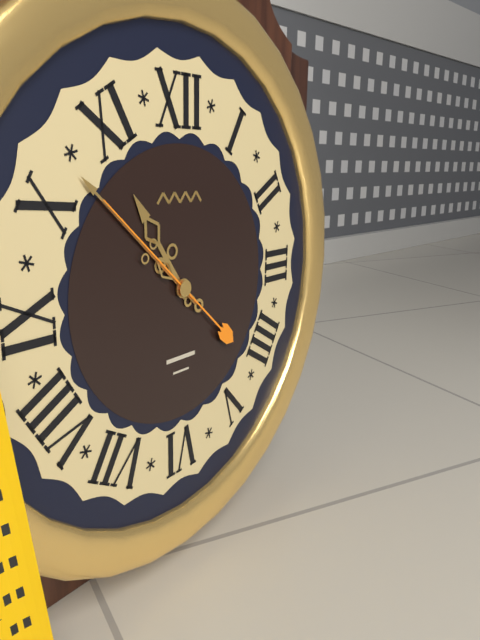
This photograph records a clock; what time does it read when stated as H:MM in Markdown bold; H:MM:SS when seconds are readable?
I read **10:52:52**
